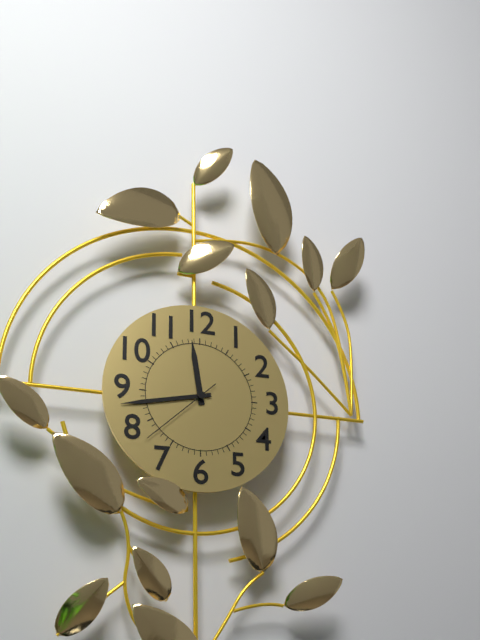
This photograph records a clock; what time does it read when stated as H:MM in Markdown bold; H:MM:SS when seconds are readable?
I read **11:43:38**
